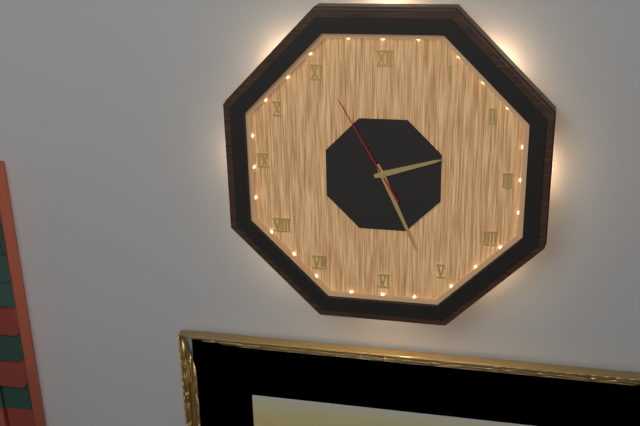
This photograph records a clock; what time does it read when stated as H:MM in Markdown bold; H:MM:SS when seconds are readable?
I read **2:26:55**
